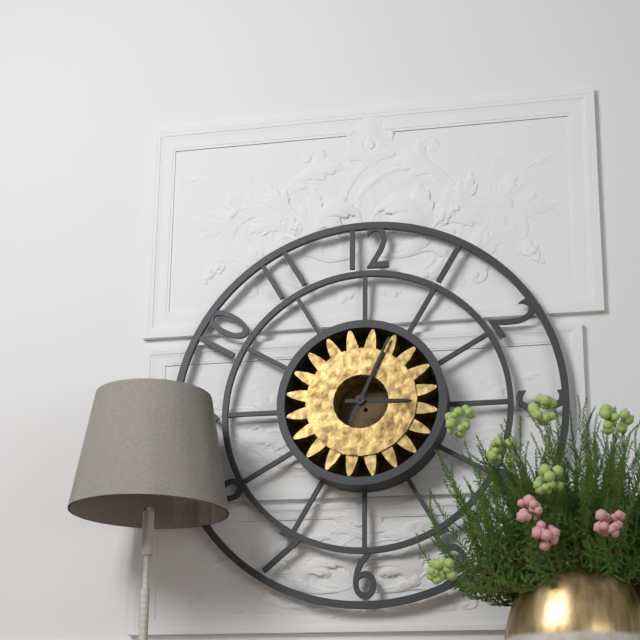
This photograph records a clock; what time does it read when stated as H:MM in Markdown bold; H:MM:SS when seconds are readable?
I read **3:04**
